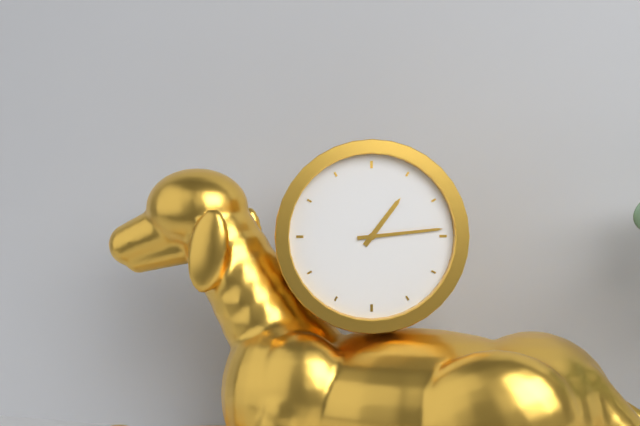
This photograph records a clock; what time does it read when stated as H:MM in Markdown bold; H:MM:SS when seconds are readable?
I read **1:14**
